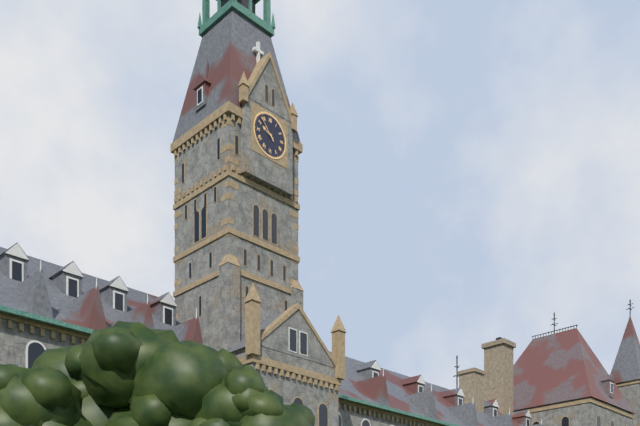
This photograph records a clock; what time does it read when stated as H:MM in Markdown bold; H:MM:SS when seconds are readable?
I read **9:53**
